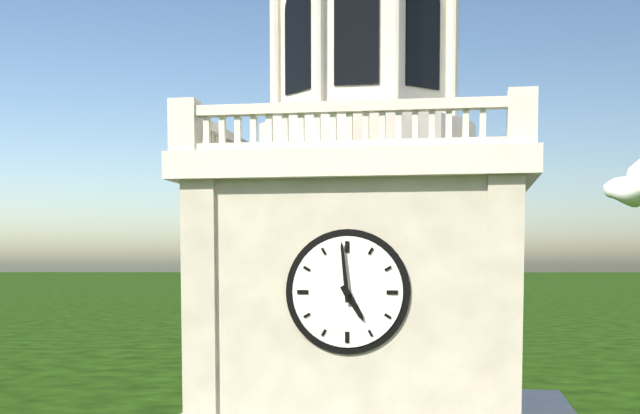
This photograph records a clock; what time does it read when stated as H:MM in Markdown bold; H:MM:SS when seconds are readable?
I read **4:59**
